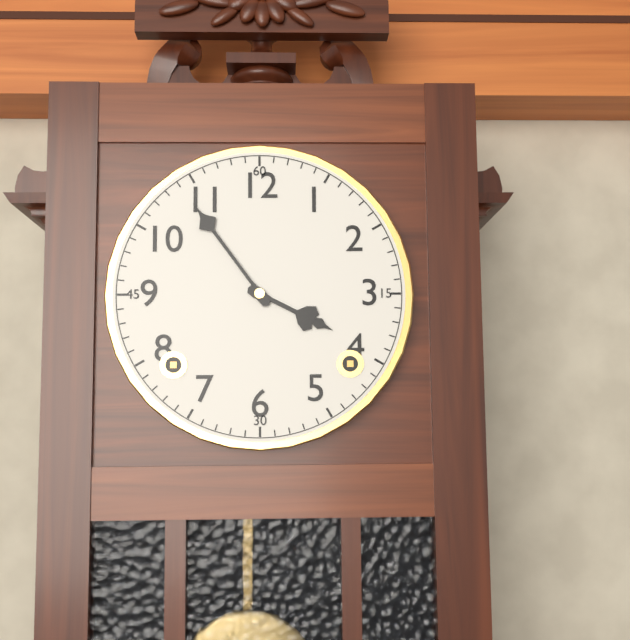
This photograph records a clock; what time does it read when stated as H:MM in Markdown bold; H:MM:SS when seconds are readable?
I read **3:54**
